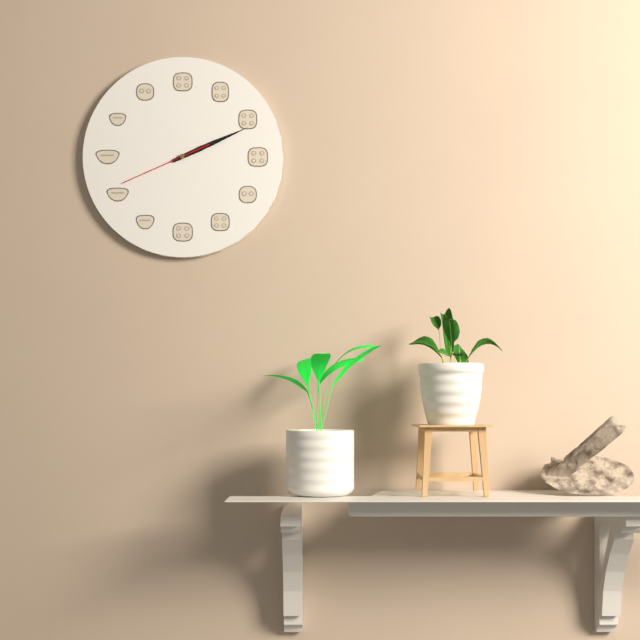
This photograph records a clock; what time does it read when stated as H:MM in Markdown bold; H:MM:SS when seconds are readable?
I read **2:11:41**
